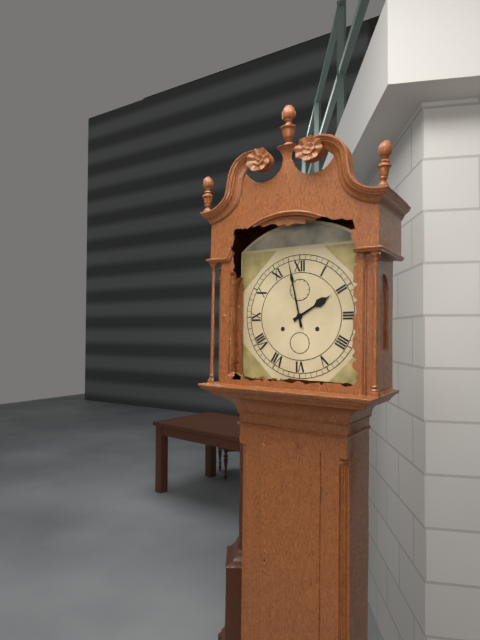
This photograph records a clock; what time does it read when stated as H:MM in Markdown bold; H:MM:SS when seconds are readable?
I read **1:58**
